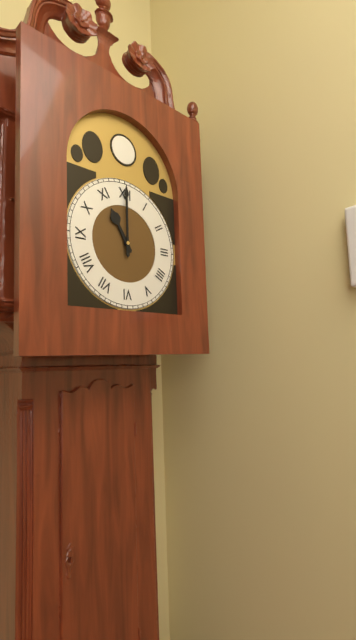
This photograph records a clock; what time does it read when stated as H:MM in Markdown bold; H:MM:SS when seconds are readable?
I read **11:00**
